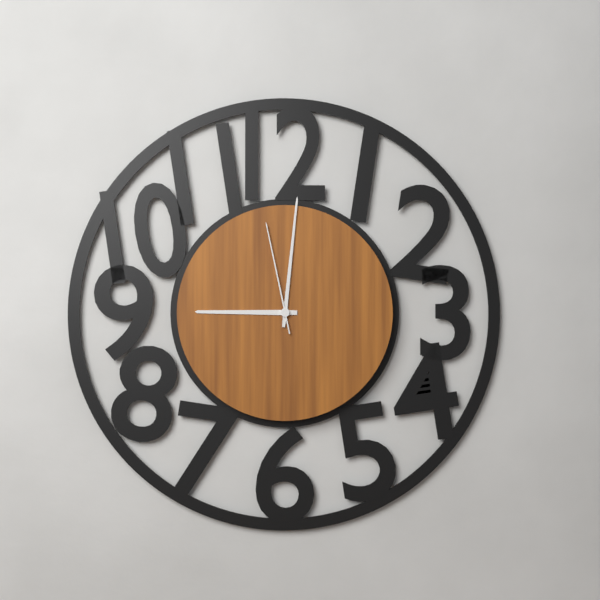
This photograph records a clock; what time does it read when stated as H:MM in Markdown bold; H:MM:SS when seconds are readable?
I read **9:01:58**
